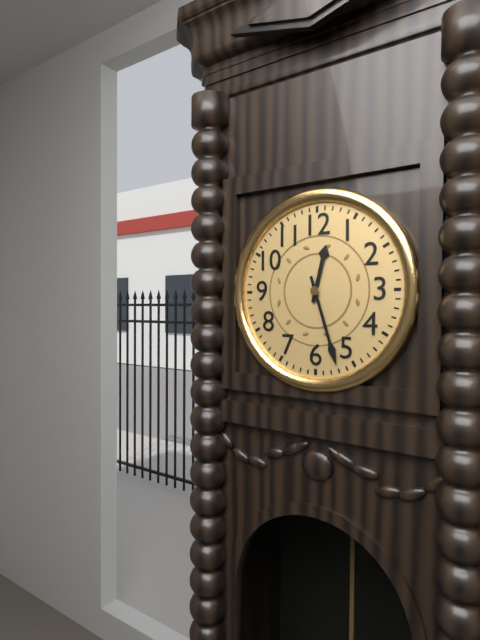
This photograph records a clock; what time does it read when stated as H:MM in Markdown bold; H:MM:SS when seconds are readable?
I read **12:27**
